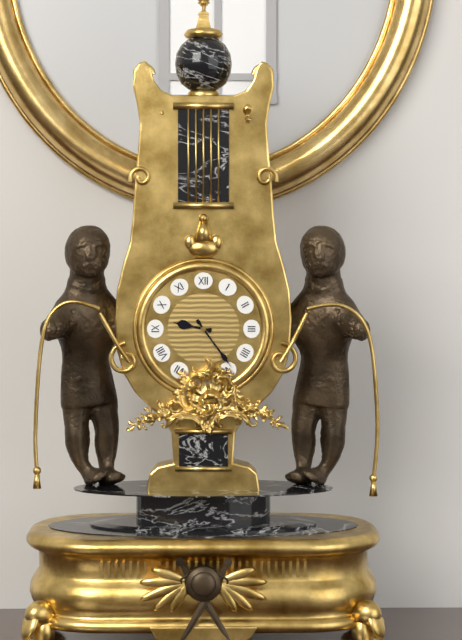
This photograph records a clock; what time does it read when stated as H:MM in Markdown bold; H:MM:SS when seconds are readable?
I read **9:24**
